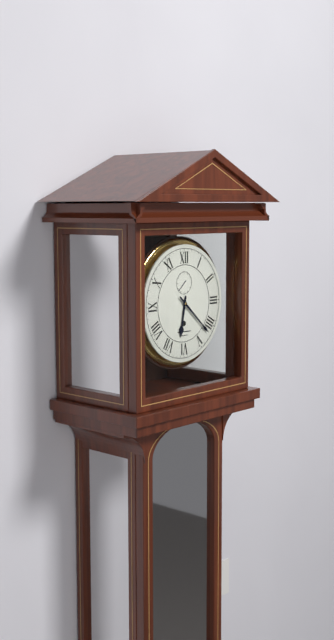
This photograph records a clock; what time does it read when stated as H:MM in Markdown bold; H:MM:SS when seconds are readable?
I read **6:22**
